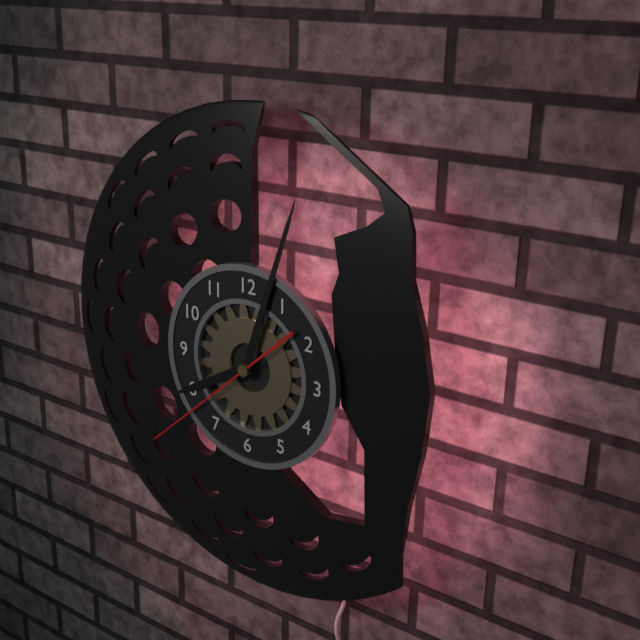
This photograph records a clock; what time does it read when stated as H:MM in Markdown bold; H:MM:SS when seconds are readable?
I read **8:03:38**
